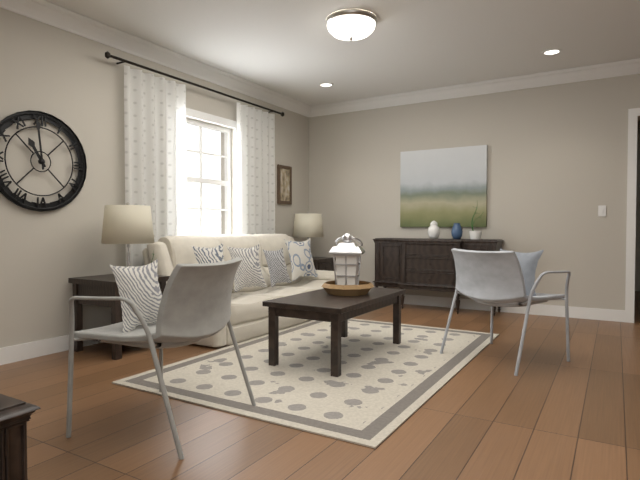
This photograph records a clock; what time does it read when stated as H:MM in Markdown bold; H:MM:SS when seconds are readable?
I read **10:59**
